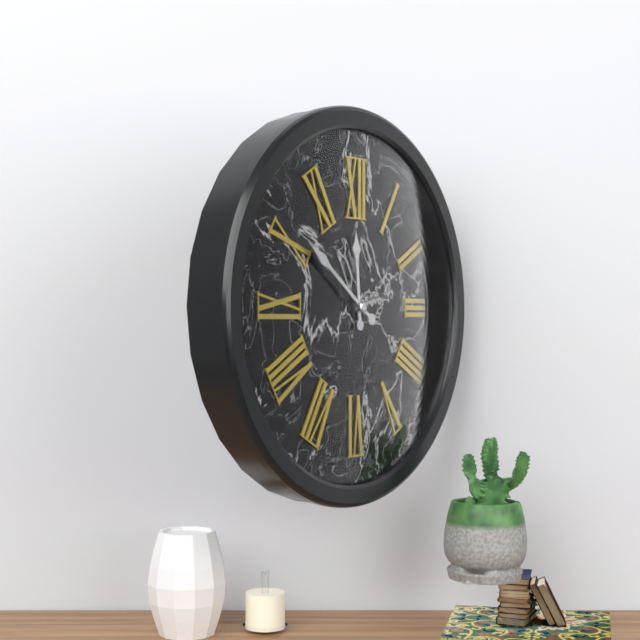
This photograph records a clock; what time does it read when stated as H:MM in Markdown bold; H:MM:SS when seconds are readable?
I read **11:51**
